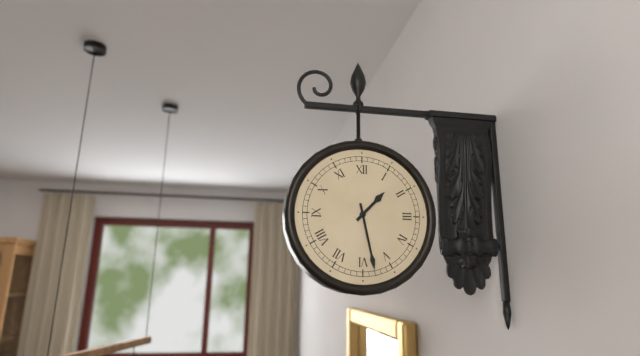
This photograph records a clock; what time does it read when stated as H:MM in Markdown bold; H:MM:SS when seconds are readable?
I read **1:28**
